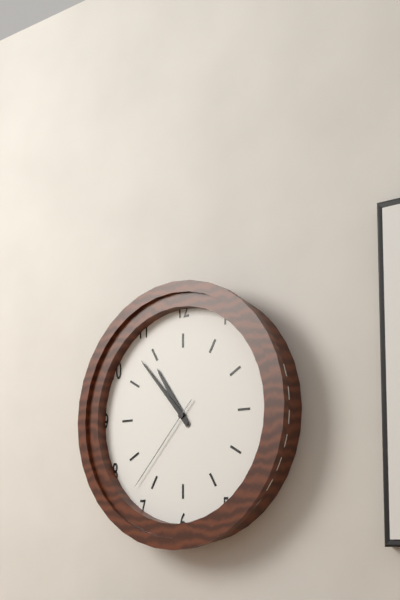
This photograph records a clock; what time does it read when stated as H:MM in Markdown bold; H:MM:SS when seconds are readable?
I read **10:53:37**
